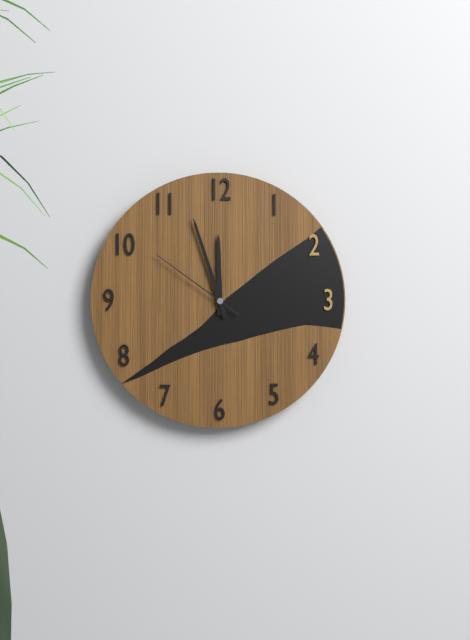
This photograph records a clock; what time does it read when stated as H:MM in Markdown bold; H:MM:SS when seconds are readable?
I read **11:57:51**
